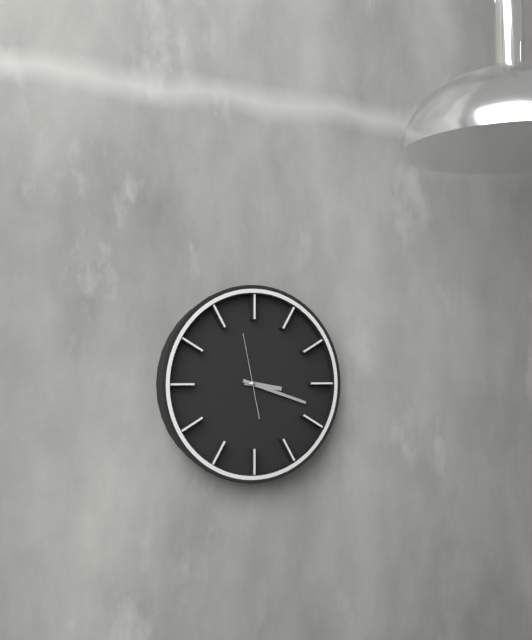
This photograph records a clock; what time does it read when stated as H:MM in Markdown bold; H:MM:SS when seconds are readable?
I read **3:18:58**
